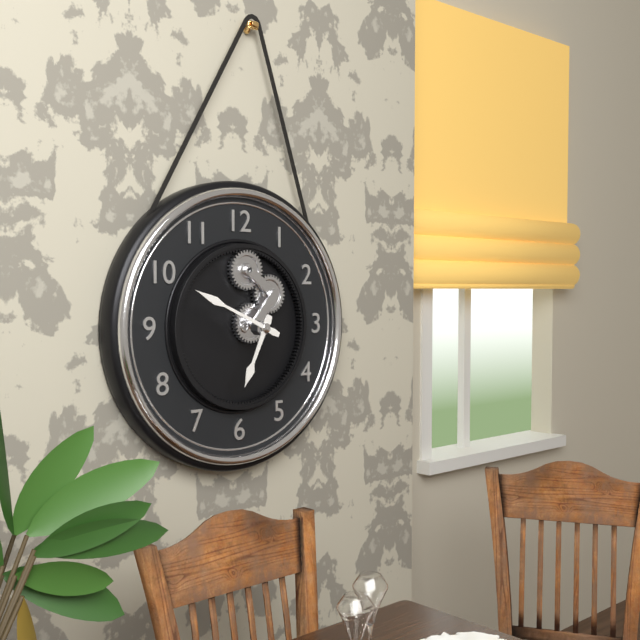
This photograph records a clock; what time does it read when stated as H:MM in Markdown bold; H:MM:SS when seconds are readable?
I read **6:49**
